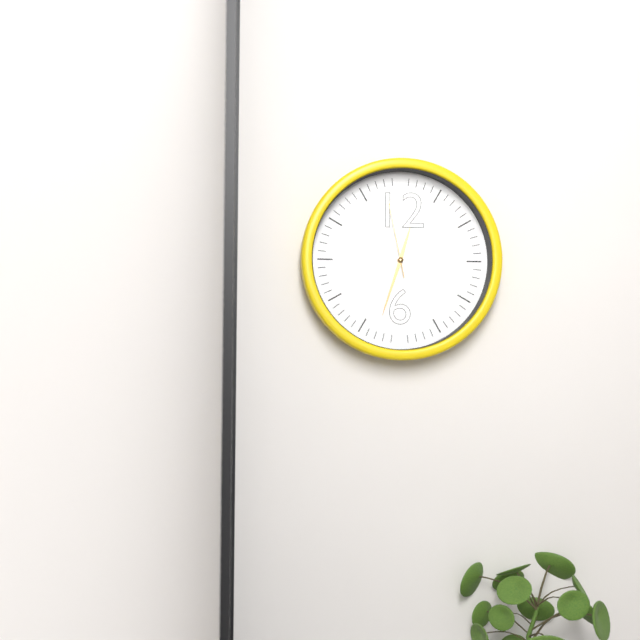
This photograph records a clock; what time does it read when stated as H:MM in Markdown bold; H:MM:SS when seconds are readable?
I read **12:33:58**
